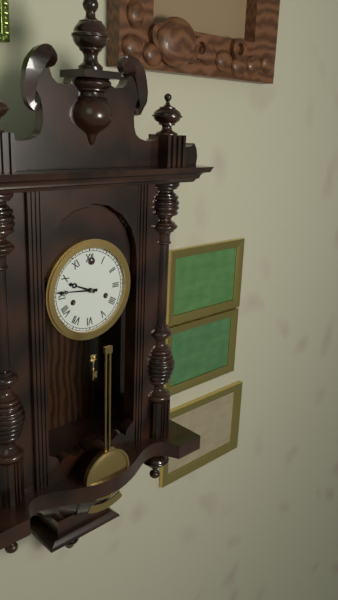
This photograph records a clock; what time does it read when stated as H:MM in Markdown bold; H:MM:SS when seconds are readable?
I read **9:46**
